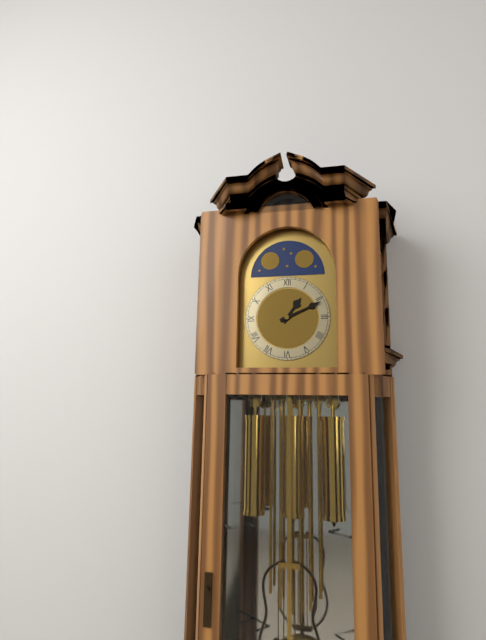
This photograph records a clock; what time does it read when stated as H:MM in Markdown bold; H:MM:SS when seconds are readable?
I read **1:11**
